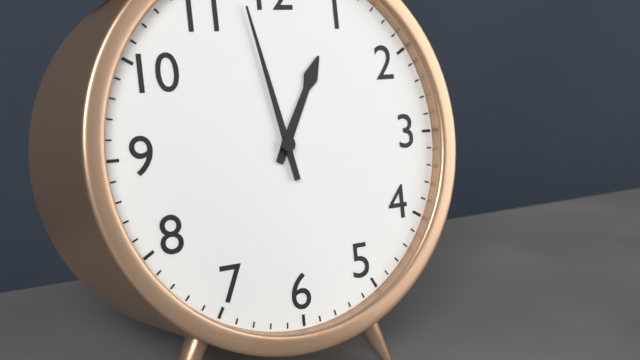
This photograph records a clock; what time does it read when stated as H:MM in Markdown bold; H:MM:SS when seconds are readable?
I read **12:58**
